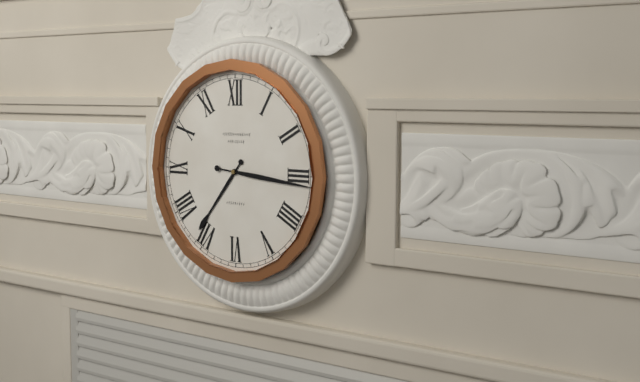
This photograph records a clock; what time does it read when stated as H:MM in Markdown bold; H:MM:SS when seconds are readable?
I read **7:16**
